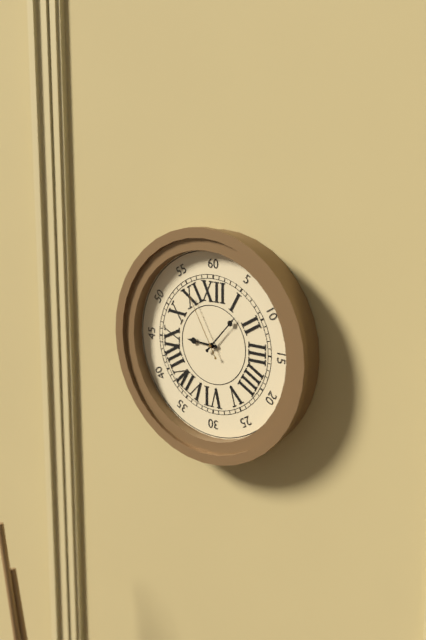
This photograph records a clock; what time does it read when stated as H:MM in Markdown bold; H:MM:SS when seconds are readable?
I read **9:07:55**
